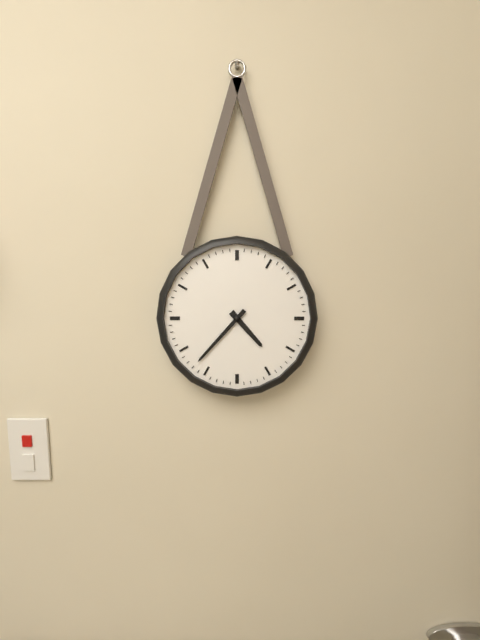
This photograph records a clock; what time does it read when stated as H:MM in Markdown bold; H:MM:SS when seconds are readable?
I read **4:37**
